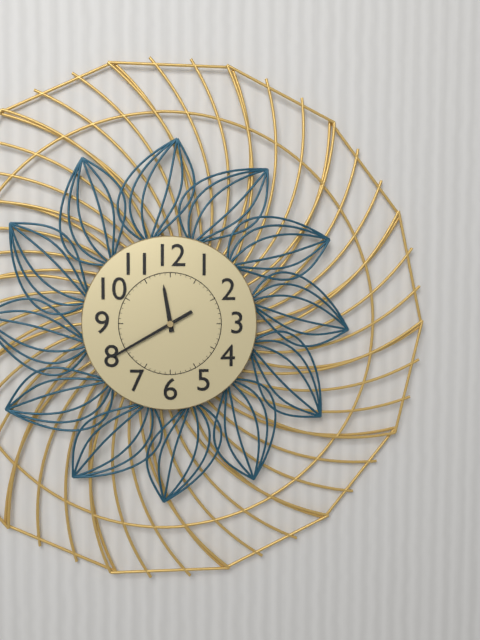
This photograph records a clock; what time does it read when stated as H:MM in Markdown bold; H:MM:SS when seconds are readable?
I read **11:40**
